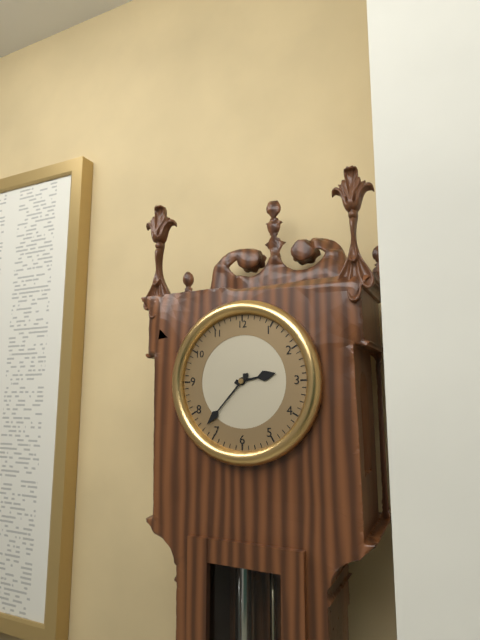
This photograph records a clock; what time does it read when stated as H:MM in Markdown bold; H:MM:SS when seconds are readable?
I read **2:37**
